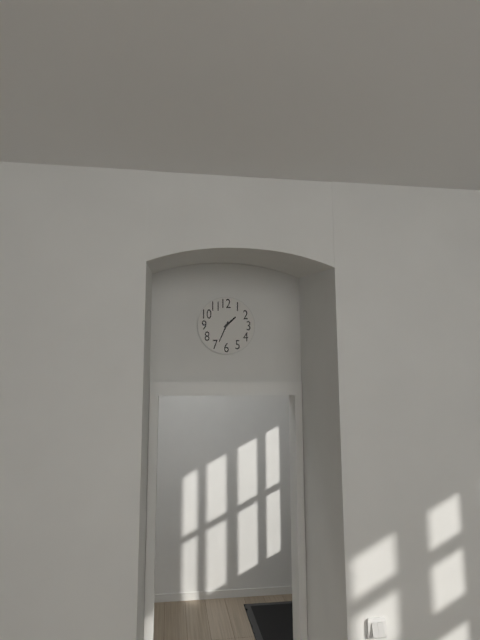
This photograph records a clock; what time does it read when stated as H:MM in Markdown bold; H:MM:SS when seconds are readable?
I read **1:34**
